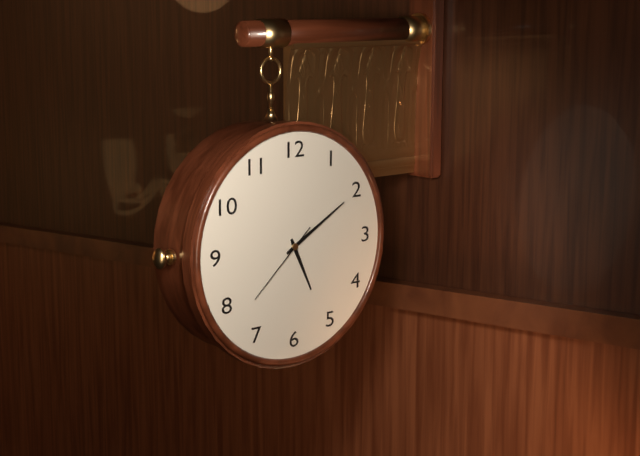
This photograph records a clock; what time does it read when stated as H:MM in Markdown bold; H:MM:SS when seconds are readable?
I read **5:10:38**
